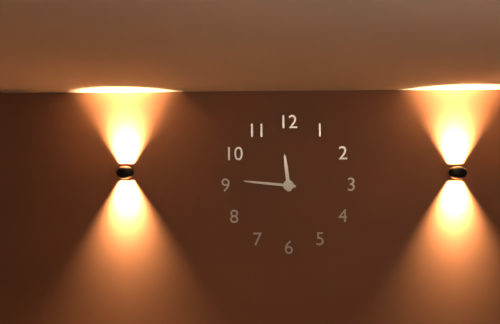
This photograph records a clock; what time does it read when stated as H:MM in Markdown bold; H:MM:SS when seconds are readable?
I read **11:46**
